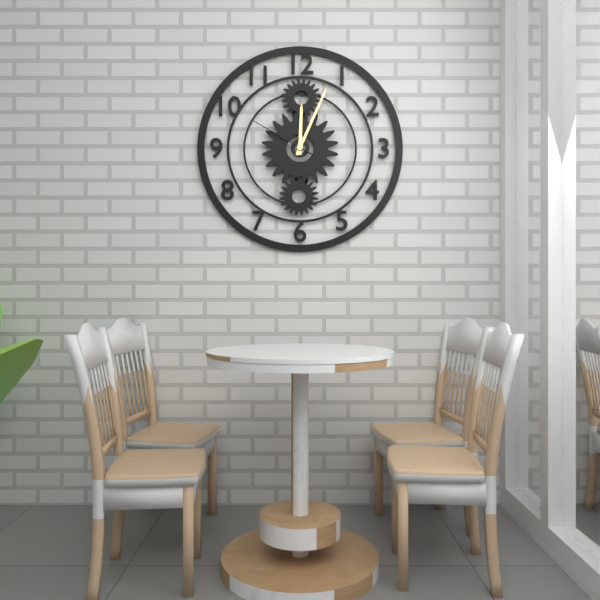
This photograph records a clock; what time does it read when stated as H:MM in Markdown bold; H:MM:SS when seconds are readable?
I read **12:04:50**
